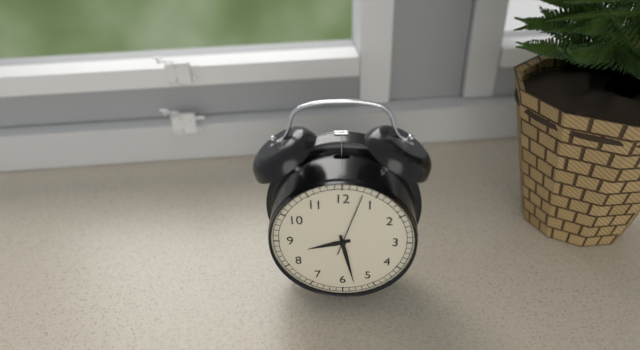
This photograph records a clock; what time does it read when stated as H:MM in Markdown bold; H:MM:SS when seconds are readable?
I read **8:28**
